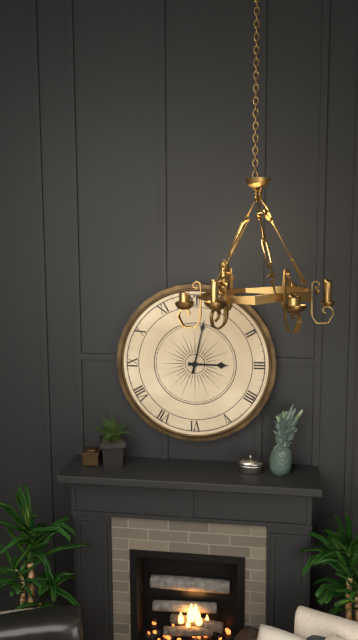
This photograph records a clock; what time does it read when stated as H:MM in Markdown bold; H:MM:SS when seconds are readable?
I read **3:02**
